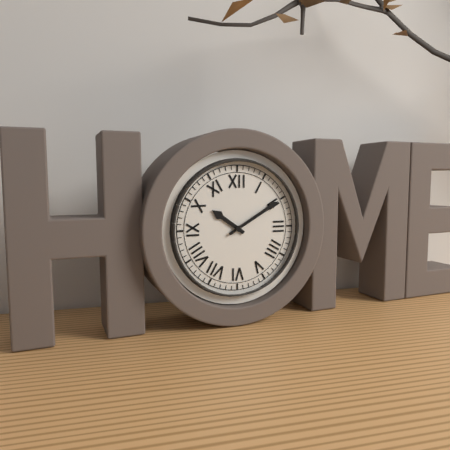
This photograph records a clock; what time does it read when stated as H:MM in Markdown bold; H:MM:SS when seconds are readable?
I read **10:10**
